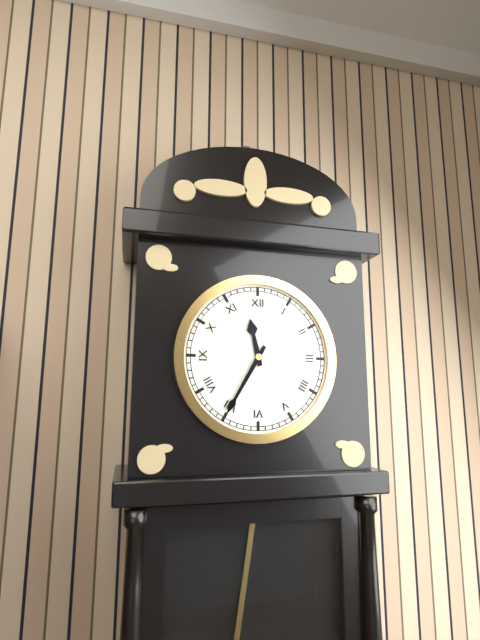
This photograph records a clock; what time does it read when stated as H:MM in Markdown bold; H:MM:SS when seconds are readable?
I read **11:35**
